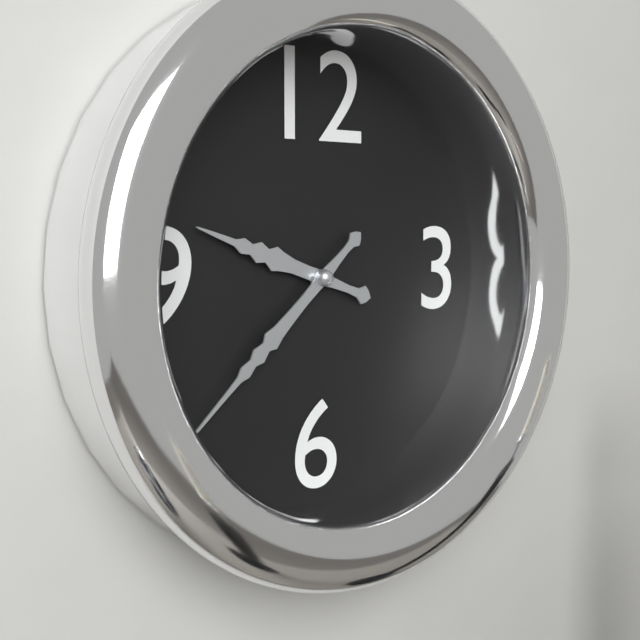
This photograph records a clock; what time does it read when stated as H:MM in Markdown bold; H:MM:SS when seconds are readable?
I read **9:38**
